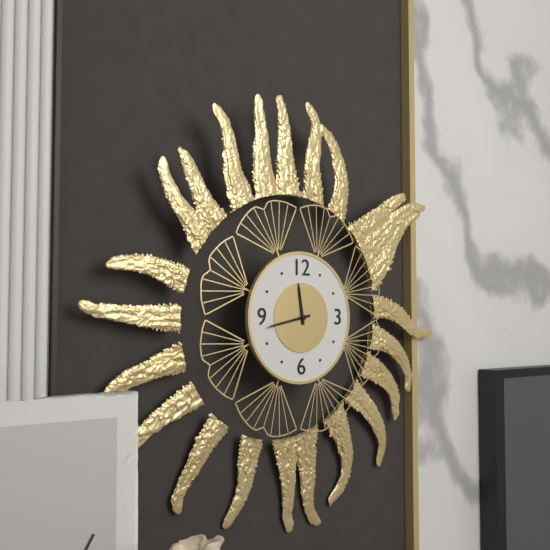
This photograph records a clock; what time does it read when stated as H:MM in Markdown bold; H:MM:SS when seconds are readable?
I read **11:43**
